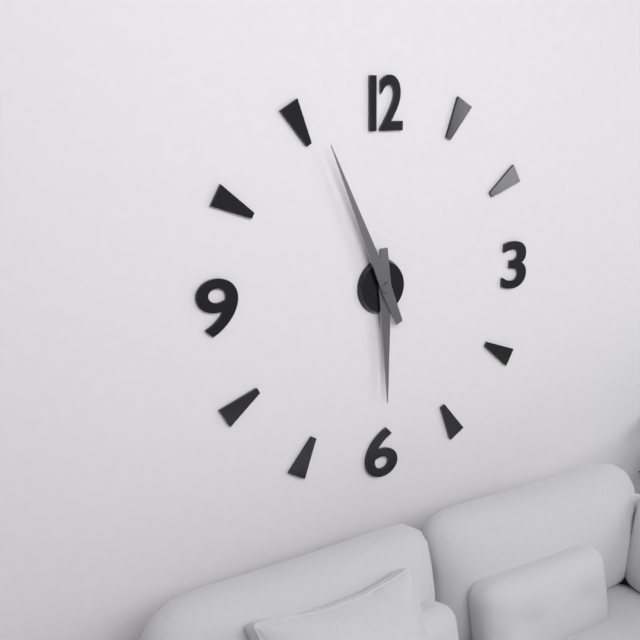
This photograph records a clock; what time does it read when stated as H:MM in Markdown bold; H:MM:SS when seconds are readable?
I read **5:56**
